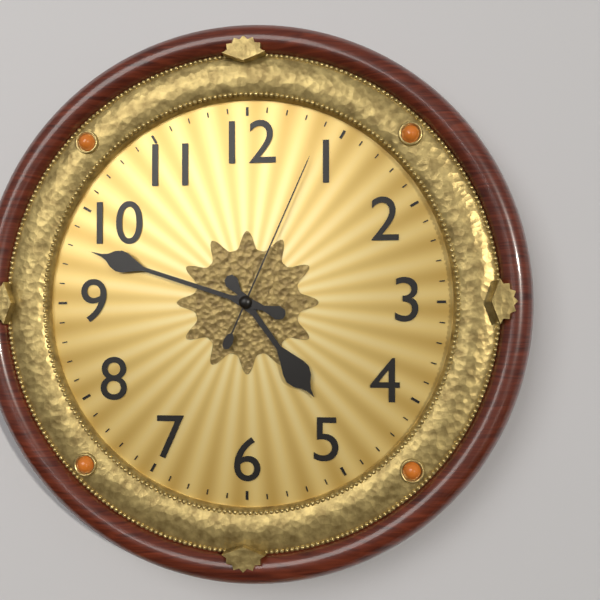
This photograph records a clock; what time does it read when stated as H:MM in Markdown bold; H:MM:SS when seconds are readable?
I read **4:48:04**
